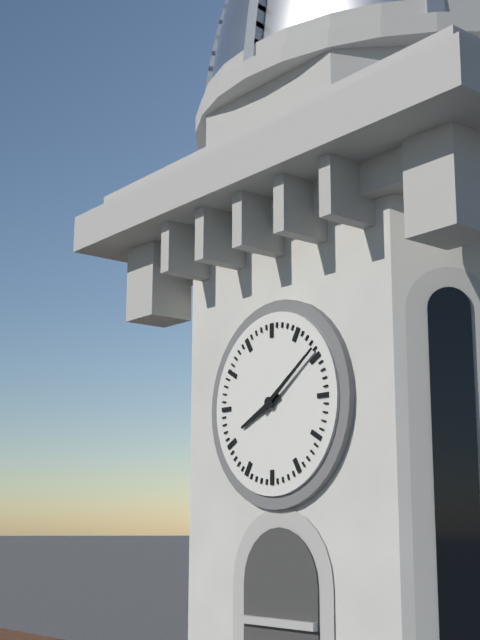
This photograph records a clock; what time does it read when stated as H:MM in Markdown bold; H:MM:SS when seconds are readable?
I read **8:09**
